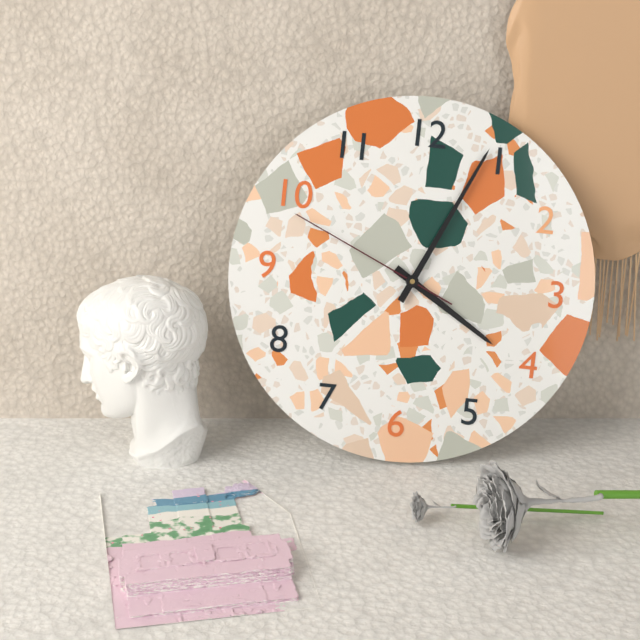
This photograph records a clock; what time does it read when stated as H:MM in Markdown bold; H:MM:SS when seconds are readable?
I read **4:04:49**
